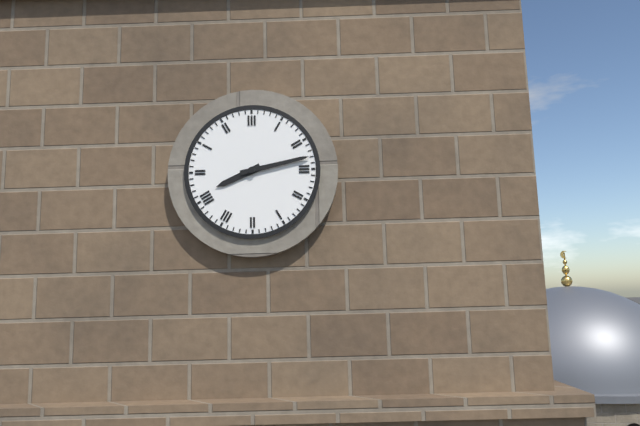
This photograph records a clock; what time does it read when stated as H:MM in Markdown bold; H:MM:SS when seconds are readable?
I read **8:13**
